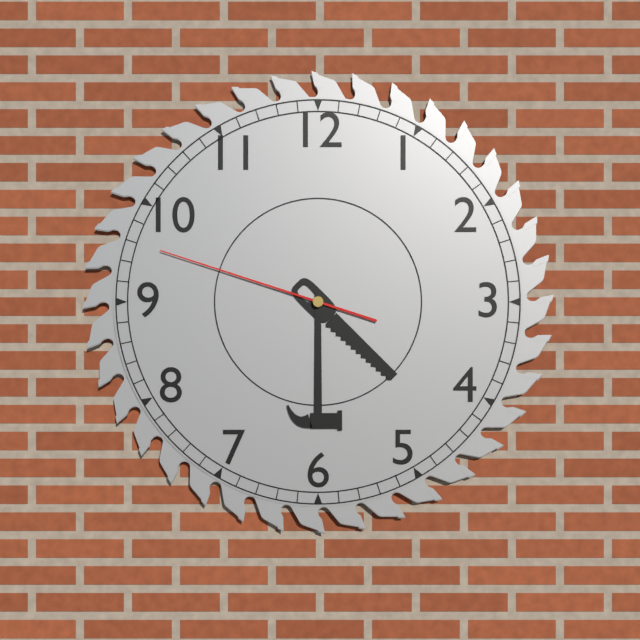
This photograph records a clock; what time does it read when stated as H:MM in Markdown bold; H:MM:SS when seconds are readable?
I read **4:30:48**
